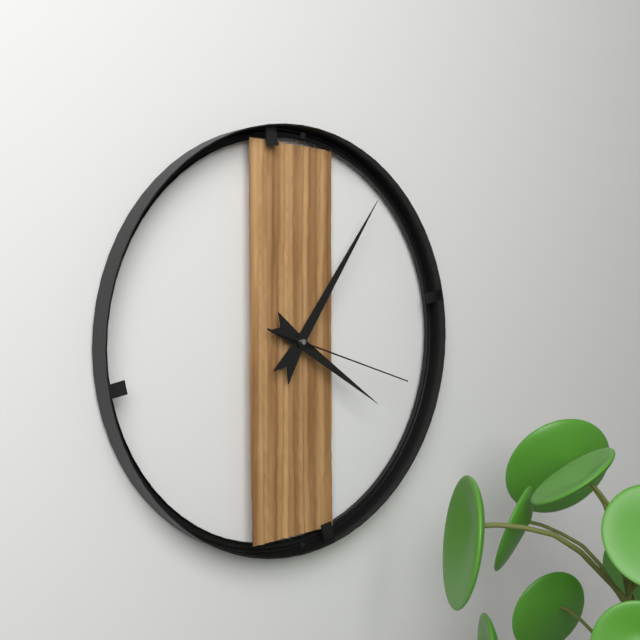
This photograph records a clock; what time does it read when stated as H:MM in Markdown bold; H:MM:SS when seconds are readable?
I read **4:06:18**
